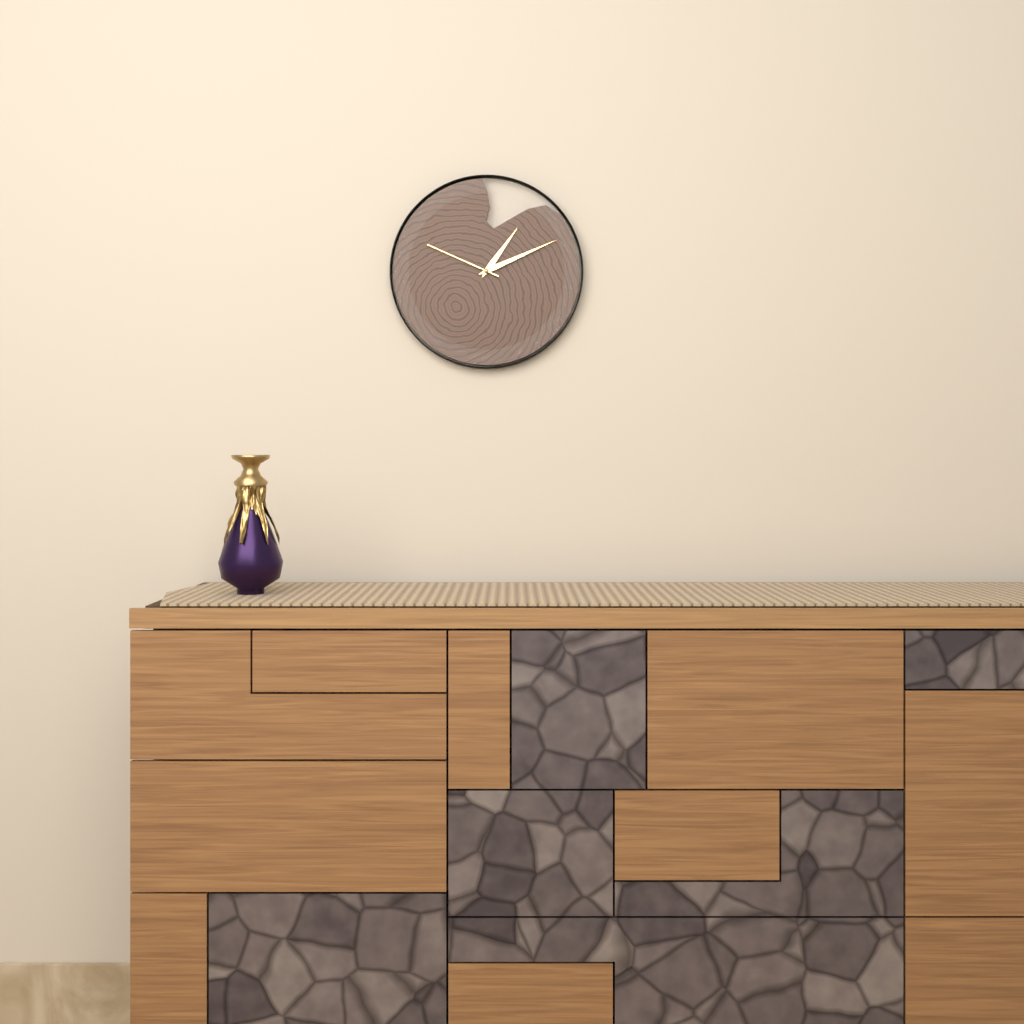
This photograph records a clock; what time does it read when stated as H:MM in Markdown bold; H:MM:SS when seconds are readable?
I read **1:11:49**
